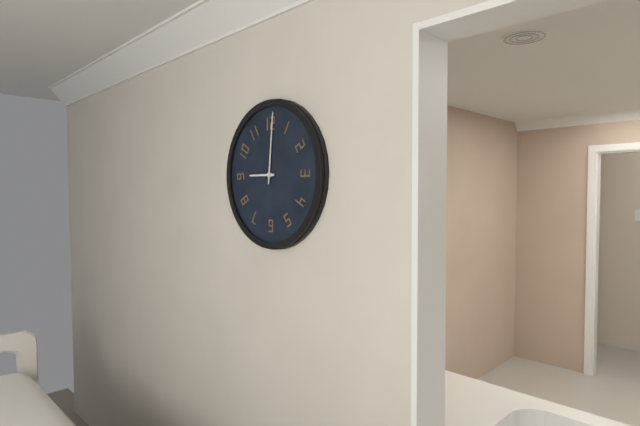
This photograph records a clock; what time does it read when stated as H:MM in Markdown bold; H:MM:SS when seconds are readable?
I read **9:01**
